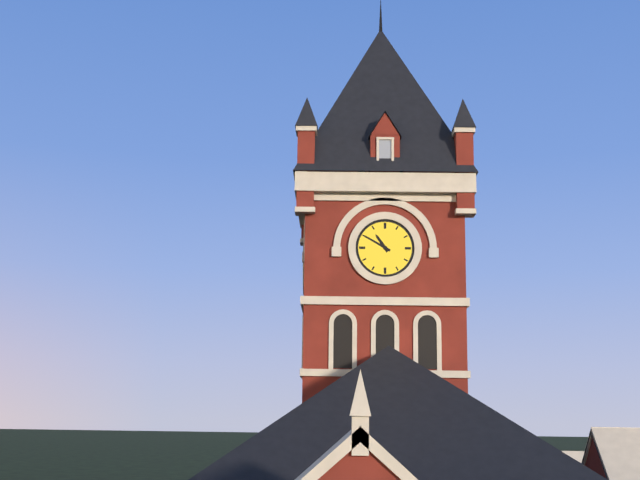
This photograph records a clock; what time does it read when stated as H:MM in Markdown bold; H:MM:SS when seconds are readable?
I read **10:50**
